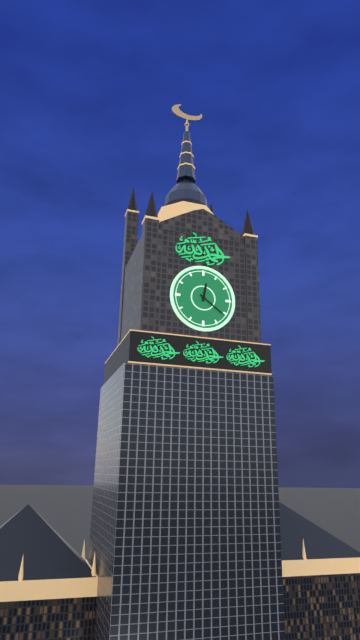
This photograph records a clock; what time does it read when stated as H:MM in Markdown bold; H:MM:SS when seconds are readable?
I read **12:21**
